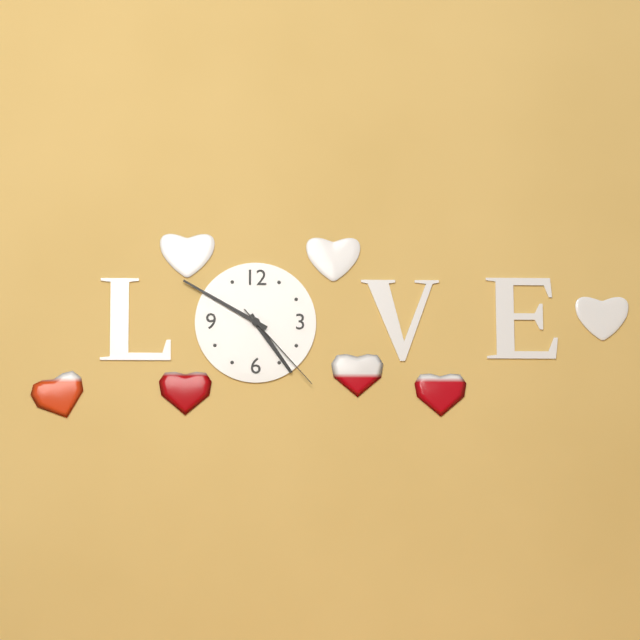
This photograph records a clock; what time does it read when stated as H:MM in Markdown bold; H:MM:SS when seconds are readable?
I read **4:50:23**
